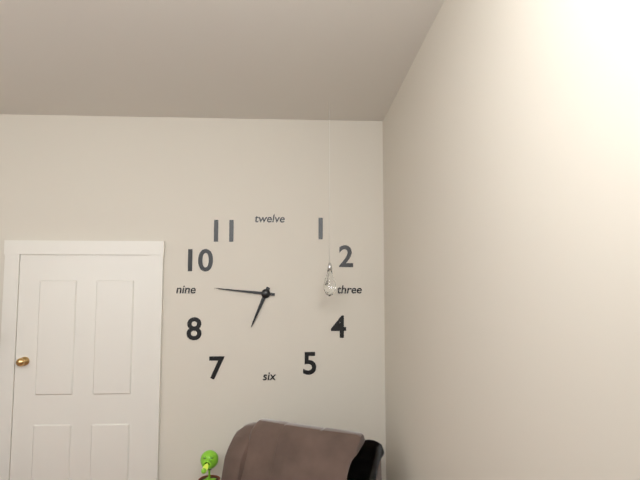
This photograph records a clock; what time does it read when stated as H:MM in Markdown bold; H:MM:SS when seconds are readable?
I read **6:46**
